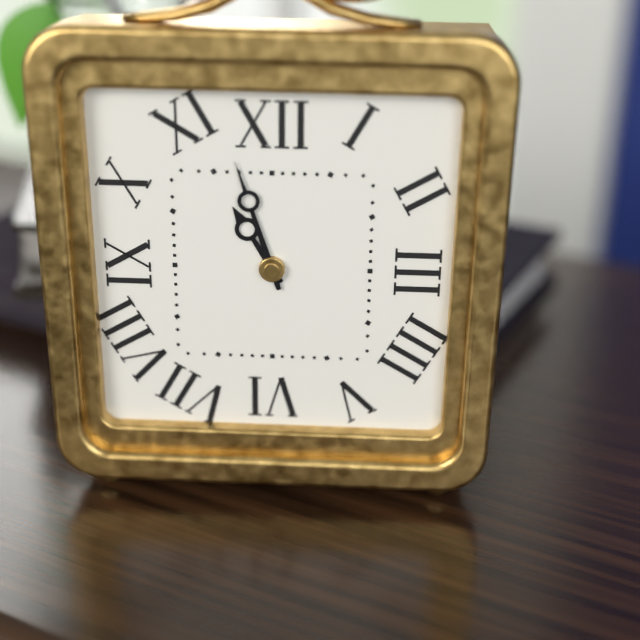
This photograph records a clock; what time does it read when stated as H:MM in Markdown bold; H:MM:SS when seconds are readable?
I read **10:57**
